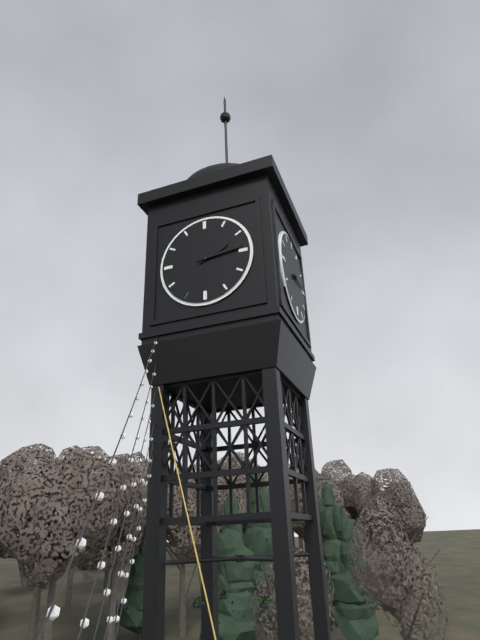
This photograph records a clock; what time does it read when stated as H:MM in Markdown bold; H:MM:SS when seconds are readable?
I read **2:14**
